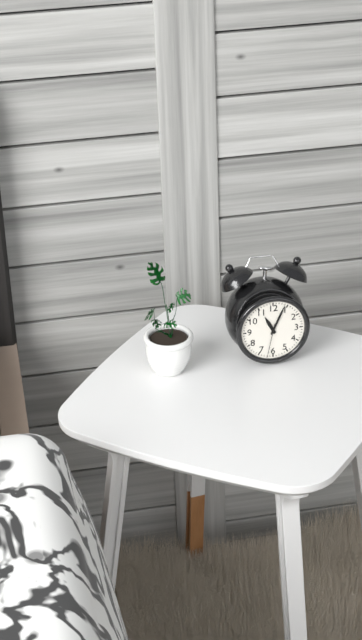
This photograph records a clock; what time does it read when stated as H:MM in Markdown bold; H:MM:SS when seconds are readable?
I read **11:04**
